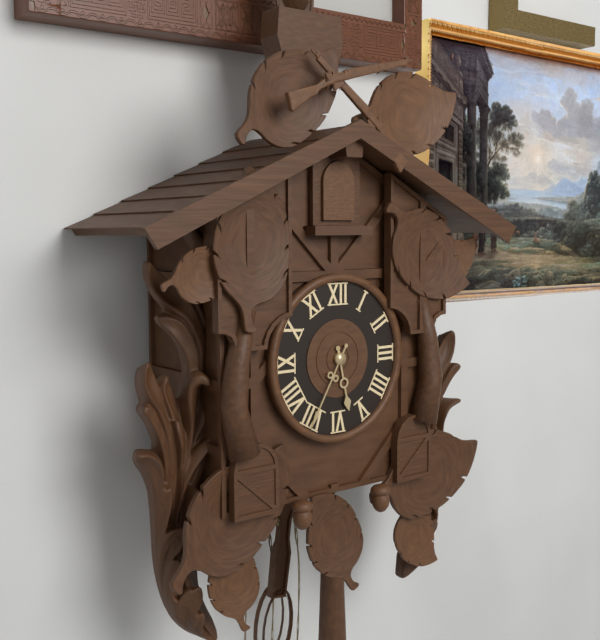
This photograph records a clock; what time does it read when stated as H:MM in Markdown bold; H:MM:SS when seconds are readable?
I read **5:35**
